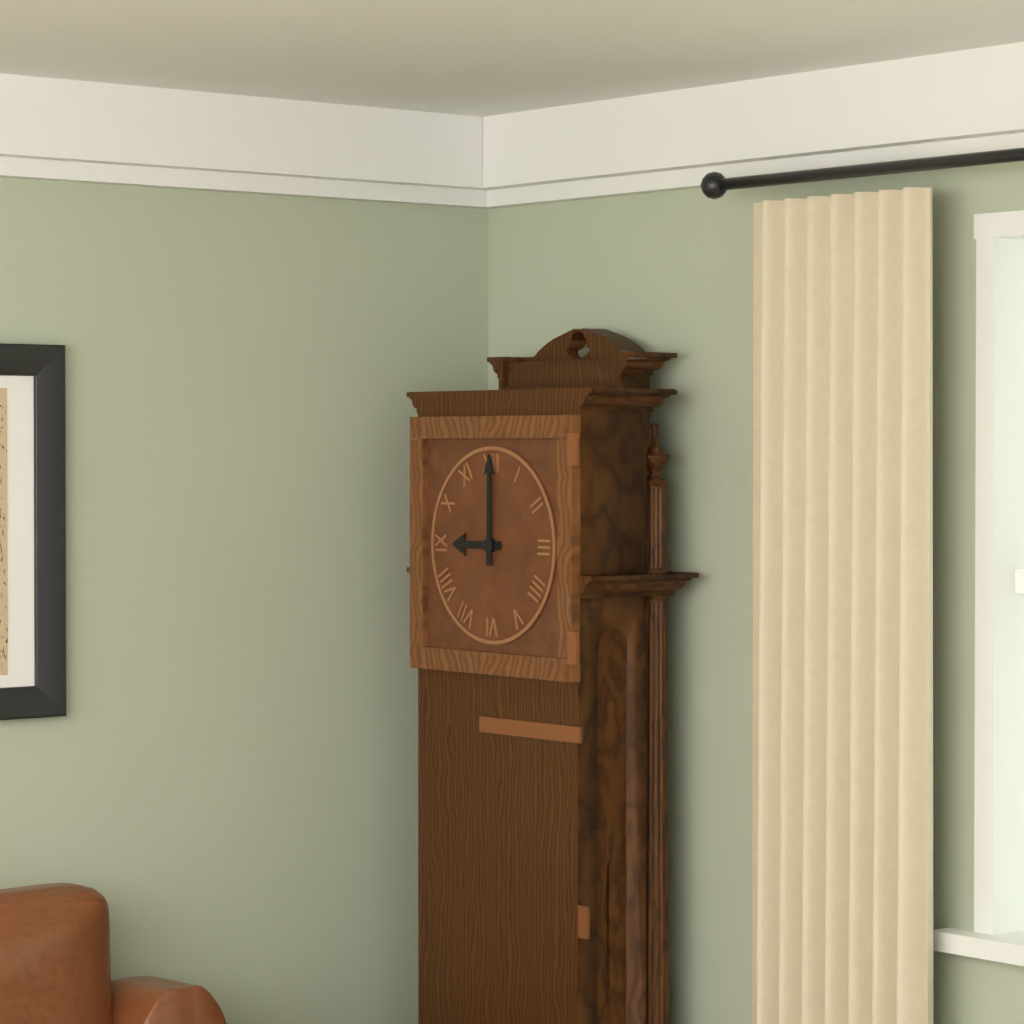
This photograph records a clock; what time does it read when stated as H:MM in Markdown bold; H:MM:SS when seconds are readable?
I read **9:00**
